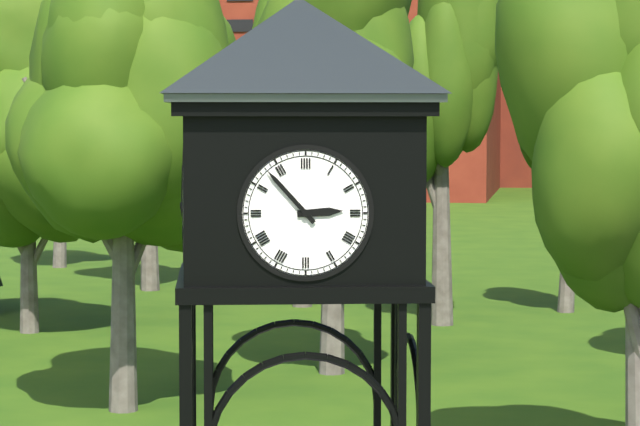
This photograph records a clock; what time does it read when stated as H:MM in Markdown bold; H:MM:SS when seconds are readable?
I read **2:53**
